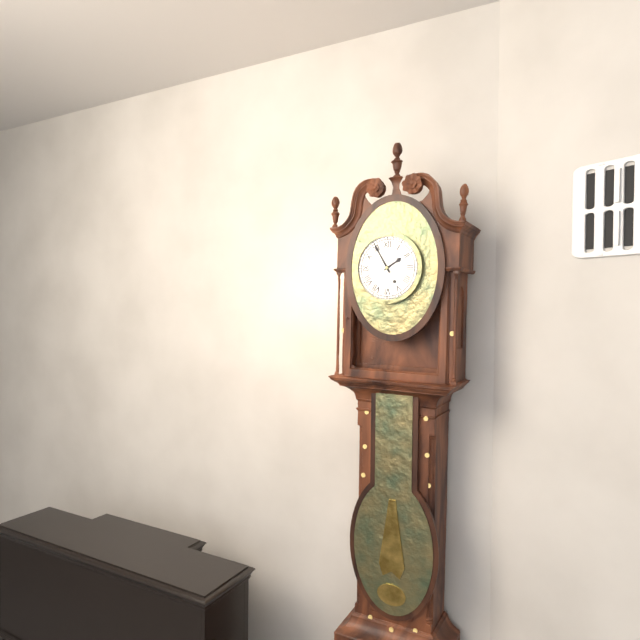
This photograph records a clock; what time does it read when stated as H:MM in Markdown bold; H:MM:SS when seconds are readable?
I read **1:55**
